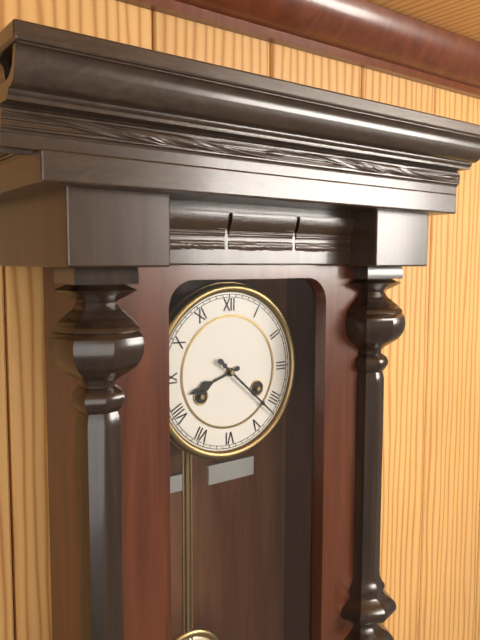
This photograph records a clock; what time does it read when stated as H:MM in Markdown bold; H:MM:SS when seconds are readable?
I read **8:22**
